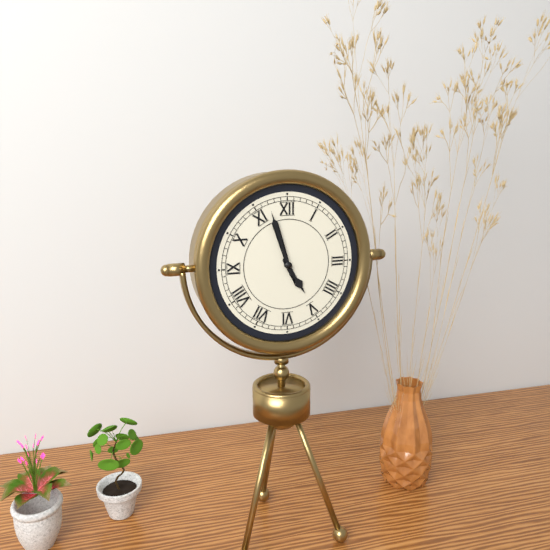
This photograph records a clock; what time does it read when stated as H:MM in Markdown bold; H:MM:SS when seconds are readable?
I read **4:57**
